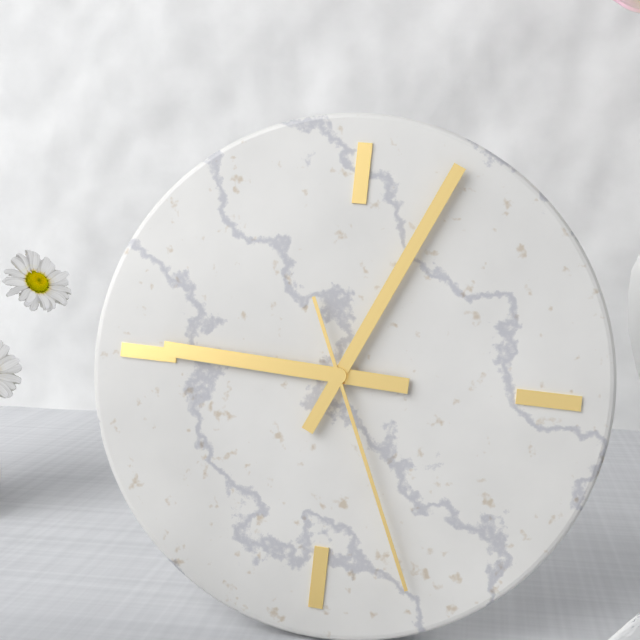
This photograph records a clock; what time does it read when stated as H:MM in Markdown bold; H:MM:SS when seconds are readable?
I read **9:04:26**
